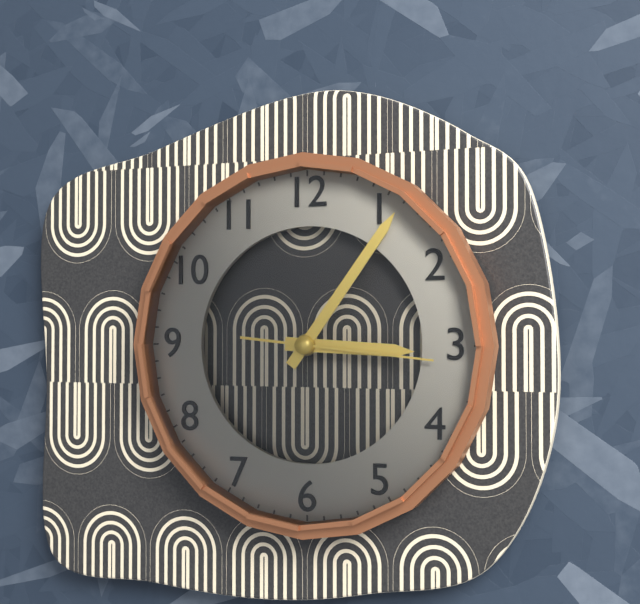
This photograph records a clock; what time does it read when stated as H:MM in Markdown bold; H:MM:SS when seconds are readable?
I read **3:06:16**
